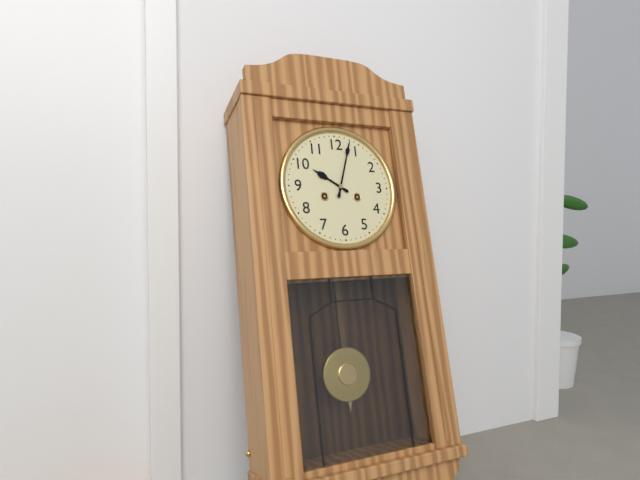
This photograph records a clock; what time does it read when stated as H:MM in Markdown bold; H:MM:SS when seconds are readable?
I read **10:03**
